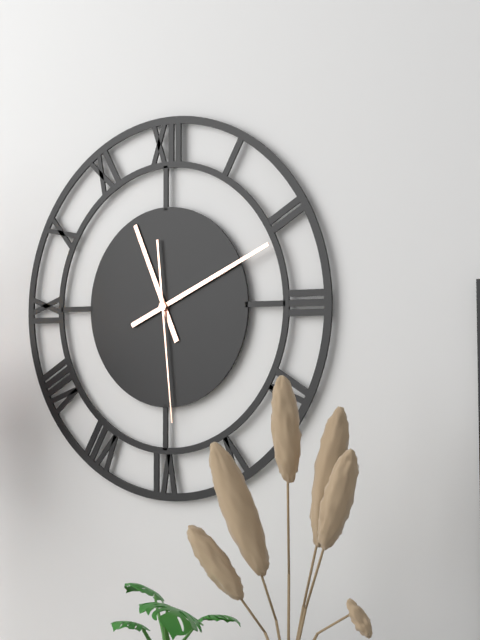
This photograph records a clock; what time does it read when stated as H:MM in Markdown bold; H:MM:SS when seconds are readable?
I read **11:11:29**
